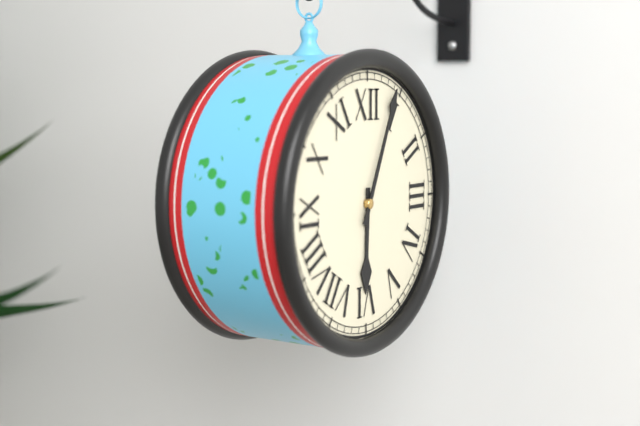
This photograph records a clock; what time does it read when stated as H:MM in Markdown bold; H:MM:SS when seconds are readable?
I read **6:04**
